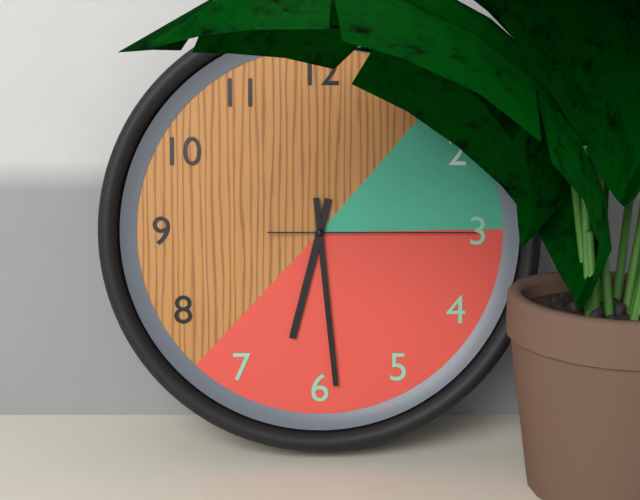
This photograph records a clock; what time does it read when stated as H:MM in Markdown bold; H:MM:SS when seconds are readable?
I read **6:29:15**
